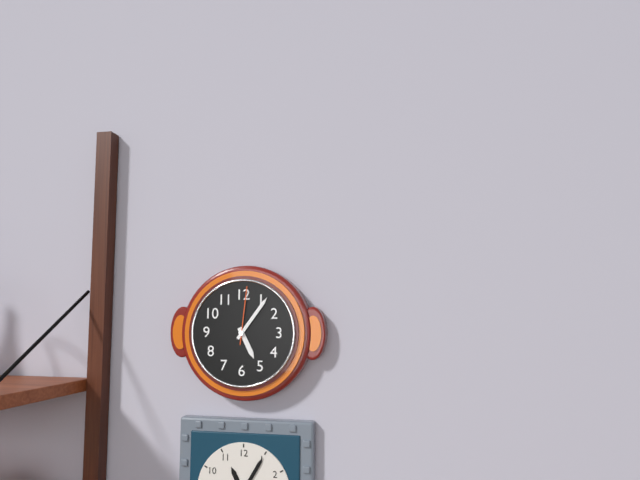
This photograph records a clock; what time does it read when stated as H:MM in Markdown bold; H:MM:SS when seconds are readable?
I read **5:06:01**
